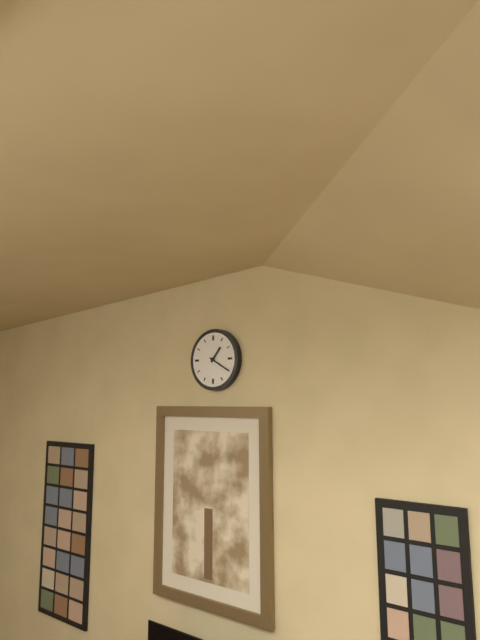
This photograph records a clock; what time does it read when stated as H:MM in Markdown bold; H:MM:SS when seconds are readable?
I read **1:20**
